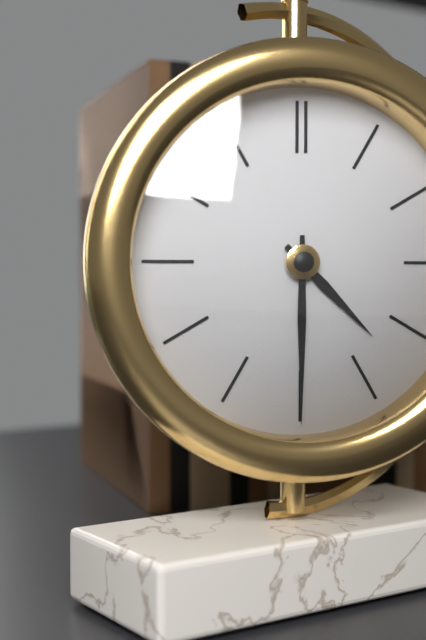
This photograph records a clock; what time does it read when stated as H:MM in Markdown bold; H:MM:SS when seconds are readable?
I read **4:30**
